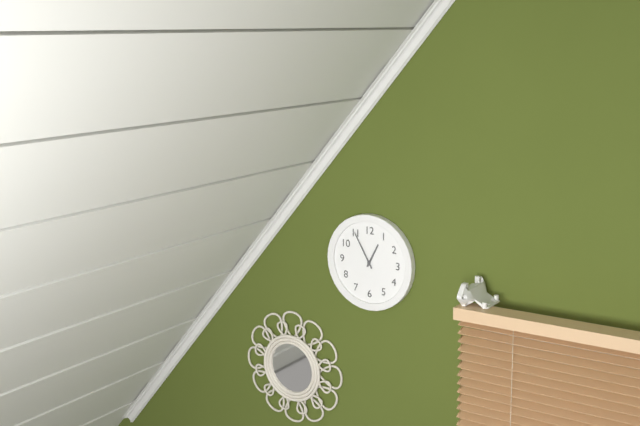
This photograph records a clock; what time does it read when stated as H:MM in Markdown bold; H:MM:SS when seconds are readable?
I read **12:55**
